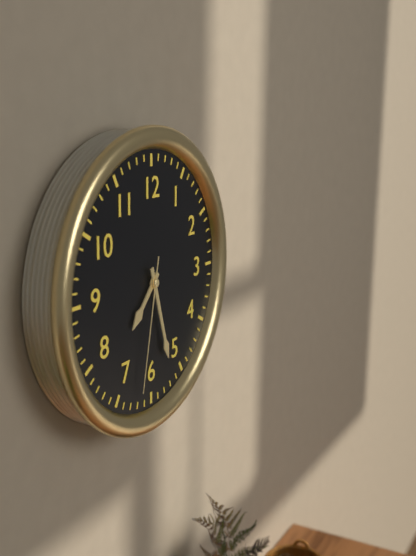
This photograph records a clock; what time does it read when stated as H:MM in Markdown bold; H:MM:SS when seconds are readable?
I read **7:27:32**
